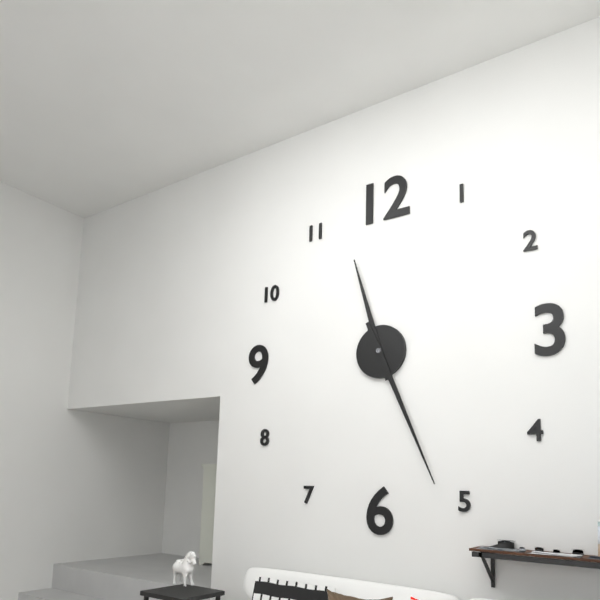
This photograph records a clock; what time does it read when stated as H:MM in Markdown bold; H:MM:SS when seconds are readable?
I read **11:26**
